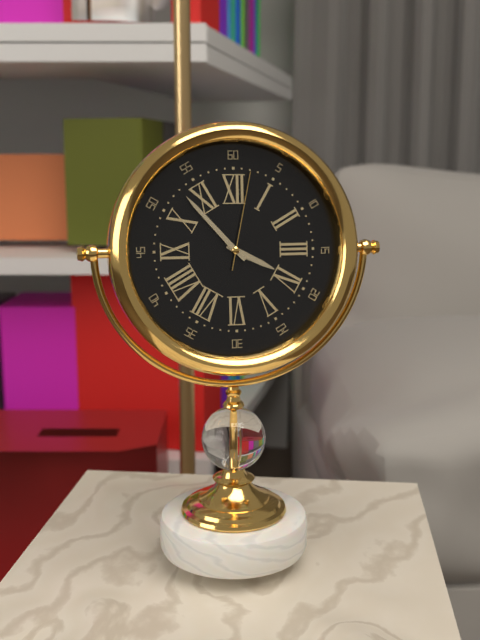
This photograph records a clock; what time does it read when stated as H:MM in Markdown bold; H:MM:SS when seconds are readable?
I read **3:53:02**
